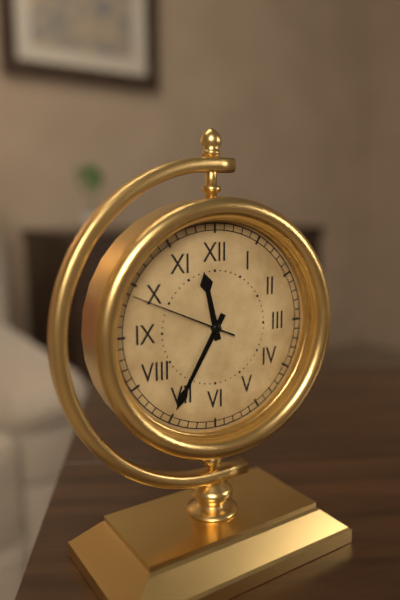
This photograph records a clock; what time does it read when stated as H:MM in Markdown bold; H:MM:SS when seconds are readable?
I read **11:35:49**
